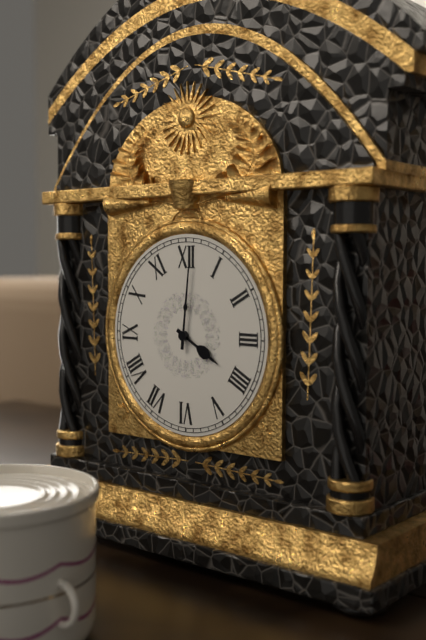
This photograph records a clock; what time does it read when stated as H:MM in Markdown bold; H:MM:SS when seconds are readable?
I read **4:01**
